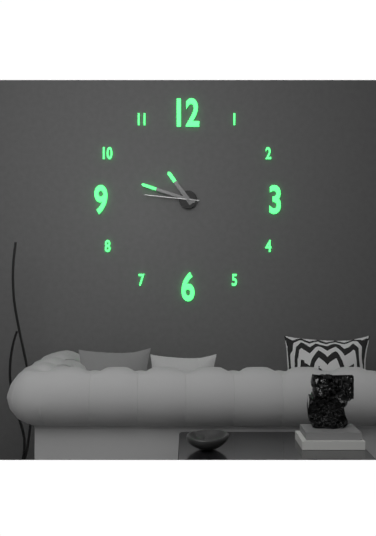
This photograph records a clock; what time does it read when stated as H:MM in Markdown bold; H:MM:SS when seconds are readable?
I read **10:48:46**
